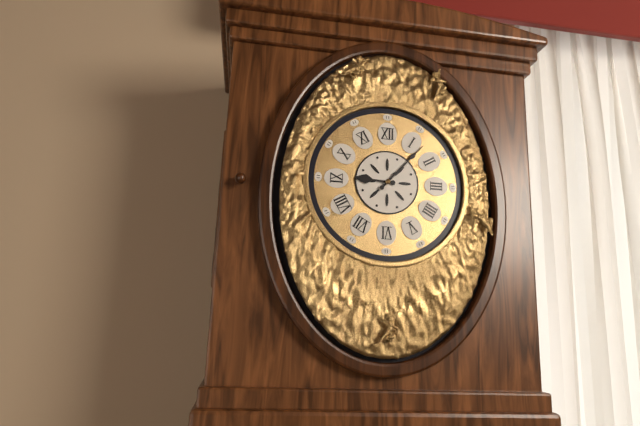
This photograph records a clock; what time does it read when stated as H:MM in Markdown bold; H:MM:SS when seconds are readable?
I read **9:07**
